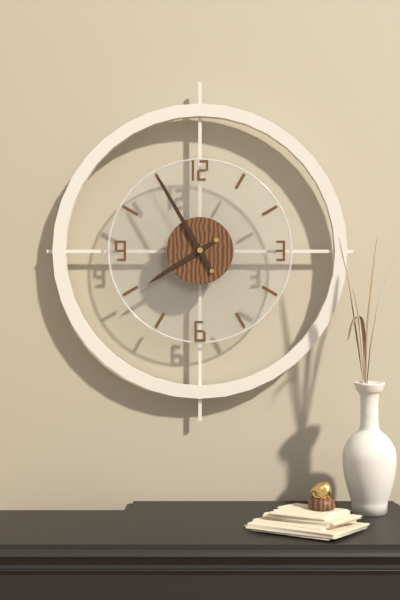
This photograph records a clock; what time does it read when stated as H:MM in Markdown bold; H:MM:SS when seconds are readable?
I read **7:55**
